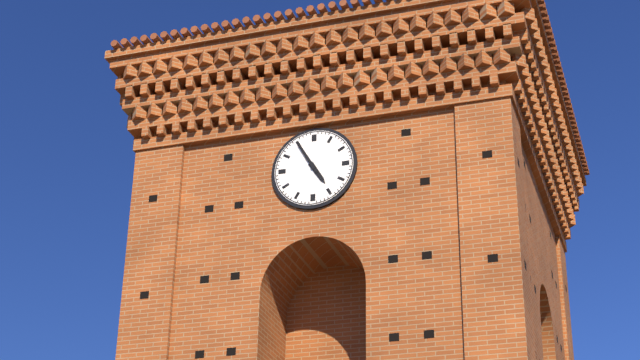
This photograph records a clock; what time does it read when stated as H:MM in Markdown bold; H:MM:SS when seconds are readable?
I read **4:55**
